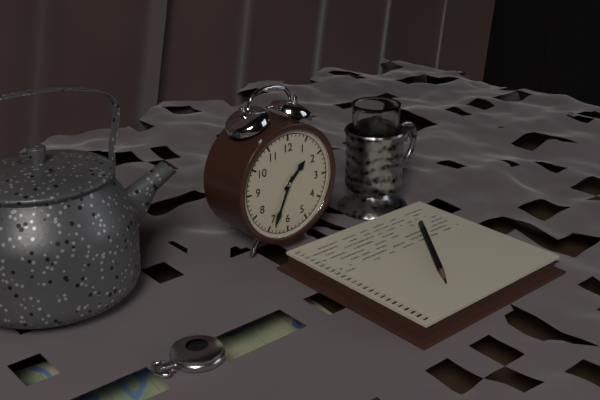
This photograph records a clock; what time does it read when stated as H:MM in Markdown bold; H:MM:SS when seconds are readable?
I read **1:34**
